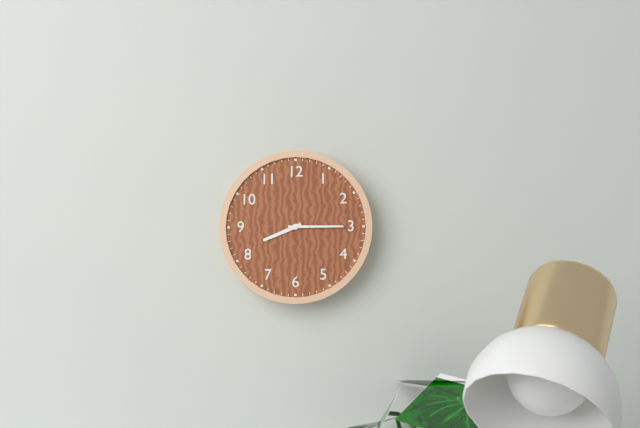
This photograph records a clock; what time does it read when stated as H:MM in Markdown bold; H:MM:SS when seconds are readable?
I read **8:15**
